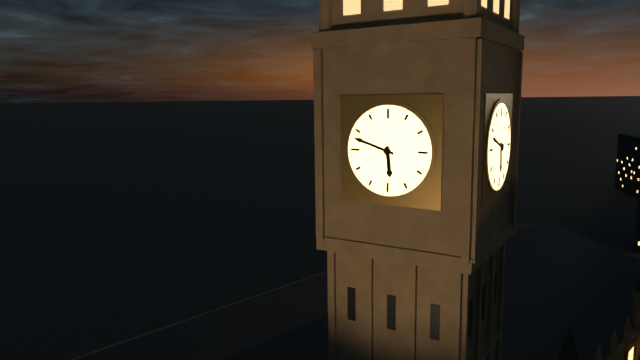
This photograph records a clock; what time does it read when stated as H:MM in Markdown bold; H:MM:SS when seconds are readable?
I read **5:48**
